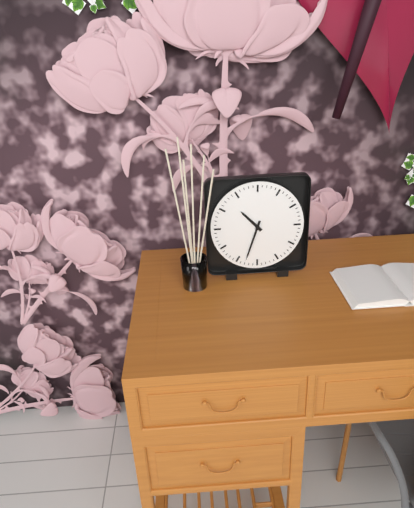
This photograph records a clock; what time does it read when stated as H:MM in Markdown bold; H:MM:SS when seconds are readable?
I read **10:33**
